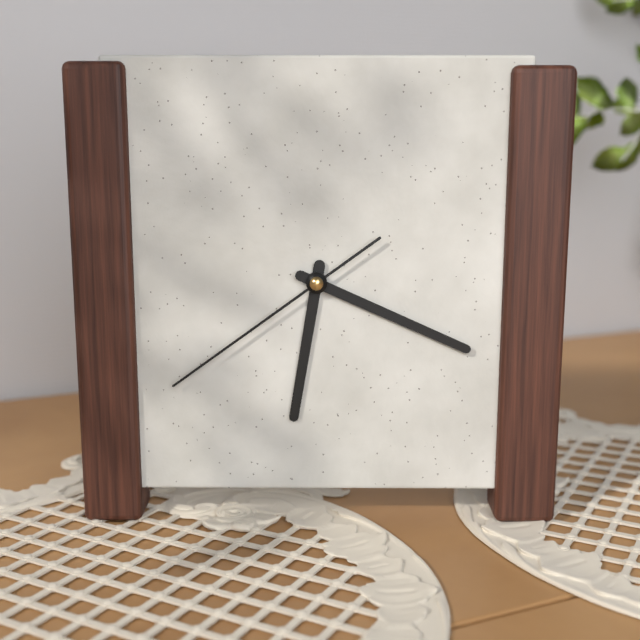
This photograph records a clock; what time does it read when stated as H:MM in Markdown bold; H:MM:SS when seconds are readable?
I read **6:19:39**
